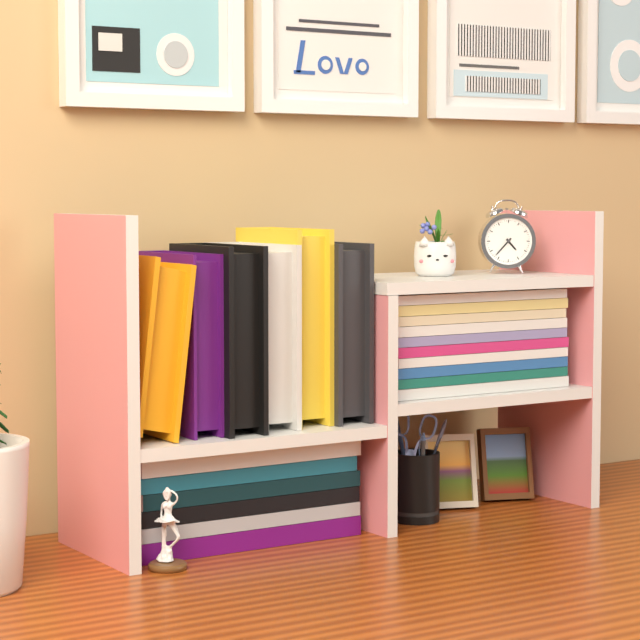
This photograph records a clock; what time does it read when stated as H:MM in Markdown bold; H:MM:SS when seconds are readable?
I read **4:37**
